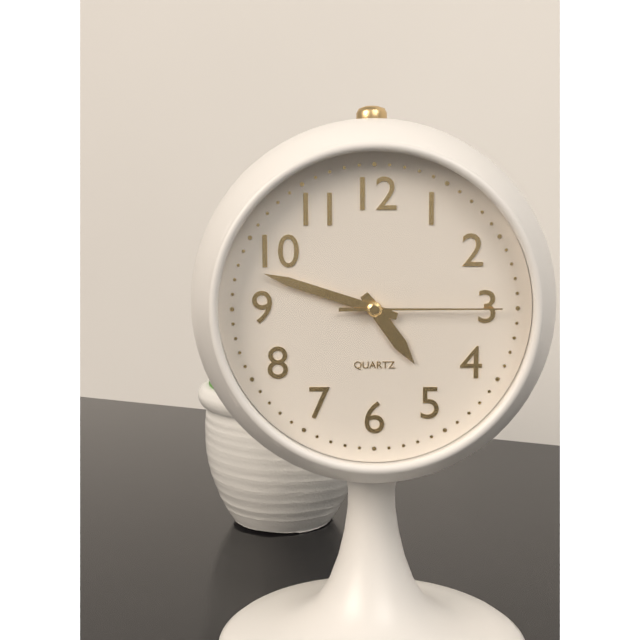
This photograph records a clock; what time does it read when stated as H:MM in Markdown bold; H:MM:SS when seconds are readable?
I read **4:48:15**
